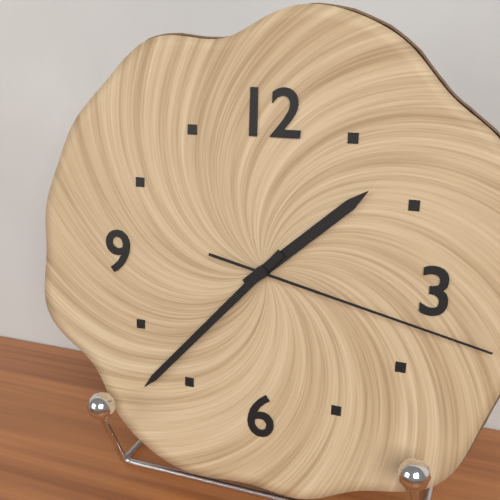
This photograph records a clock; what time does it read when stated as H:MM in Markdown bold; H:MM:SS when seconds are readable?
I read **1:37:17**
